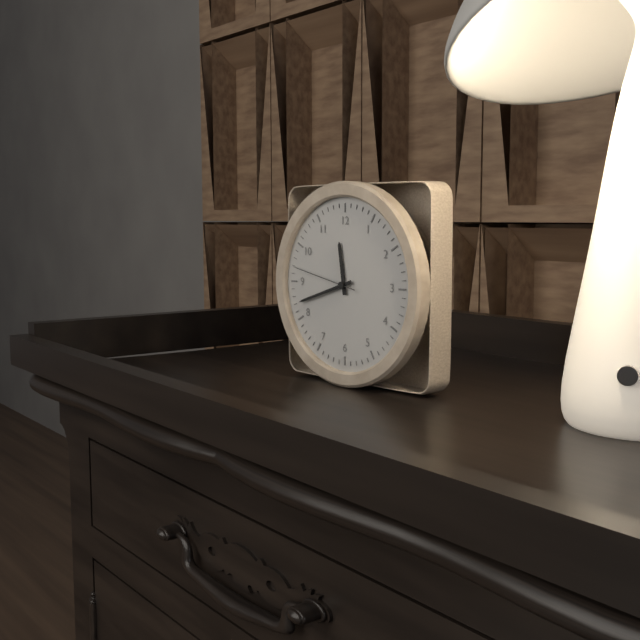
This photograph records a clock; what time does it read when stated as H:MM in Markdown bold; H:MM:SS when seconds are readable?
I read **11:42:47**
